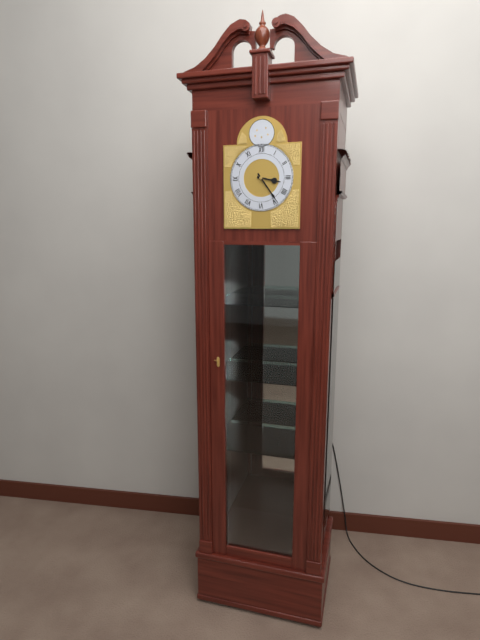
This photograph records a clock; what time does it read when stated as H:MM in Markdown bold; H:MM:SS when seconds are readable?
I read **3:24**
